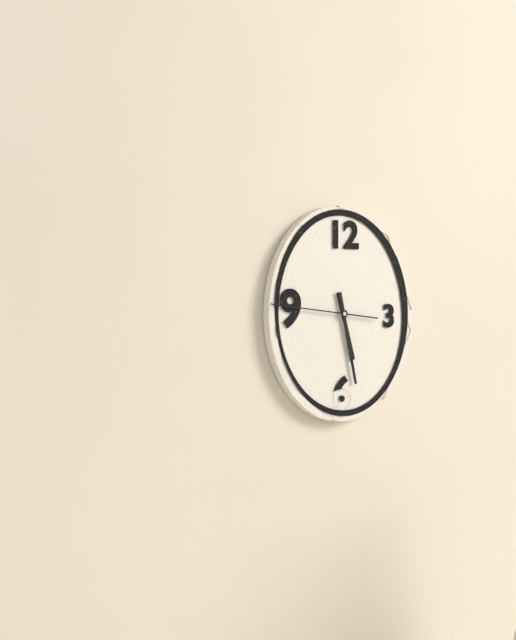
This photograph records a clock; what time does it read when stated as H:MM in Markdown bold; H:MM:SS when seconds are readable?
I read **5:28:46**
